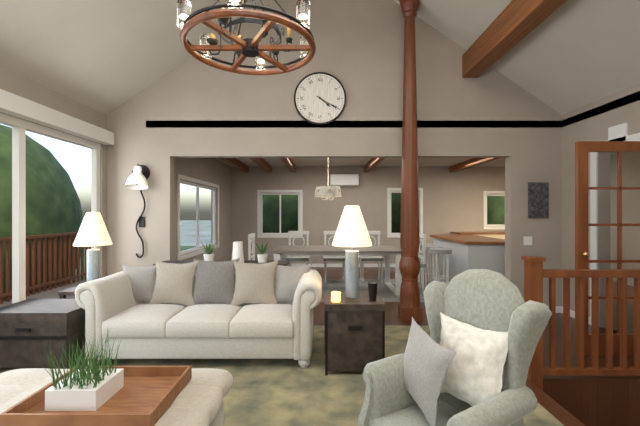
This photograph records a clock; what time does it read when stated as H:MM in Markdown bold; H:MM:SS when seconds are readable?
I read **4:20**
